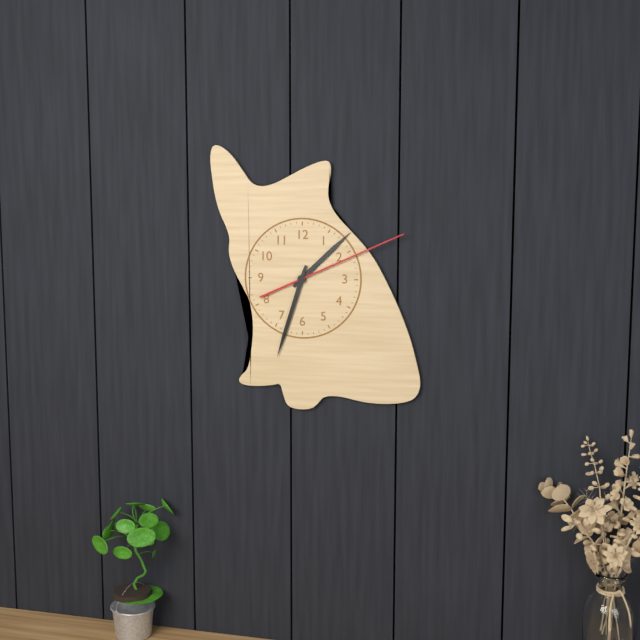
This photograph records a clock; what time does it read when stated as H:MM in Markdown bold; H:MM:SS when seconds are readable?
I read **1:33:11**
